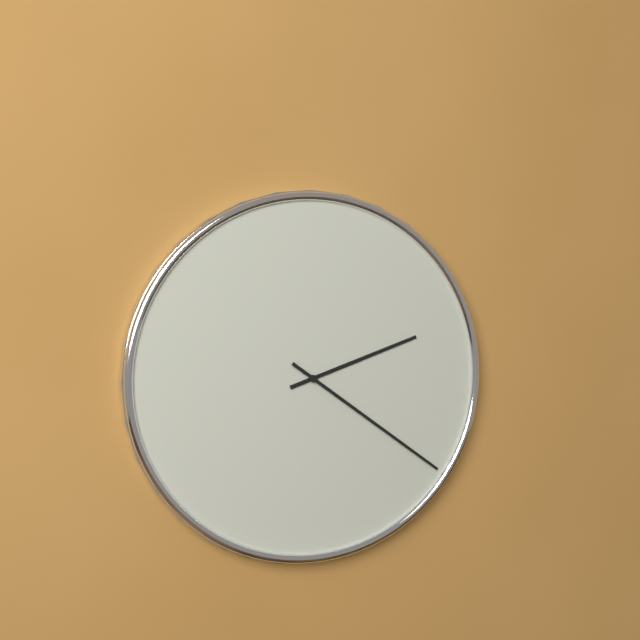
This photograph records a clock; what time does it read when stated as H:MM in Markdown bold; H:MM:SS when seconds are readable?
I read **2:21**
